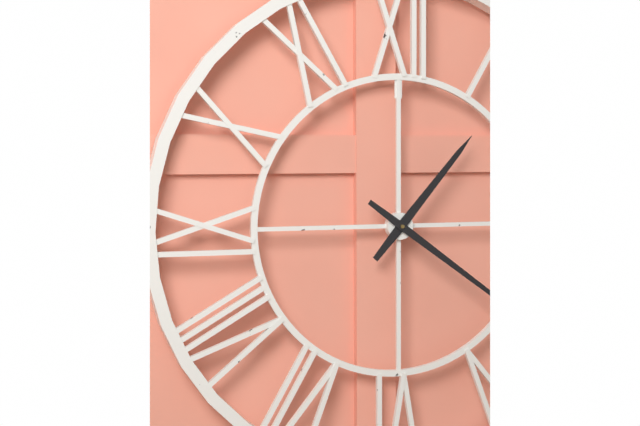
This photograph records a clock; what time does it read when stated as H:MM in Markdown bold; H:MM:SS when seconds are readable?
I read **1:21**
